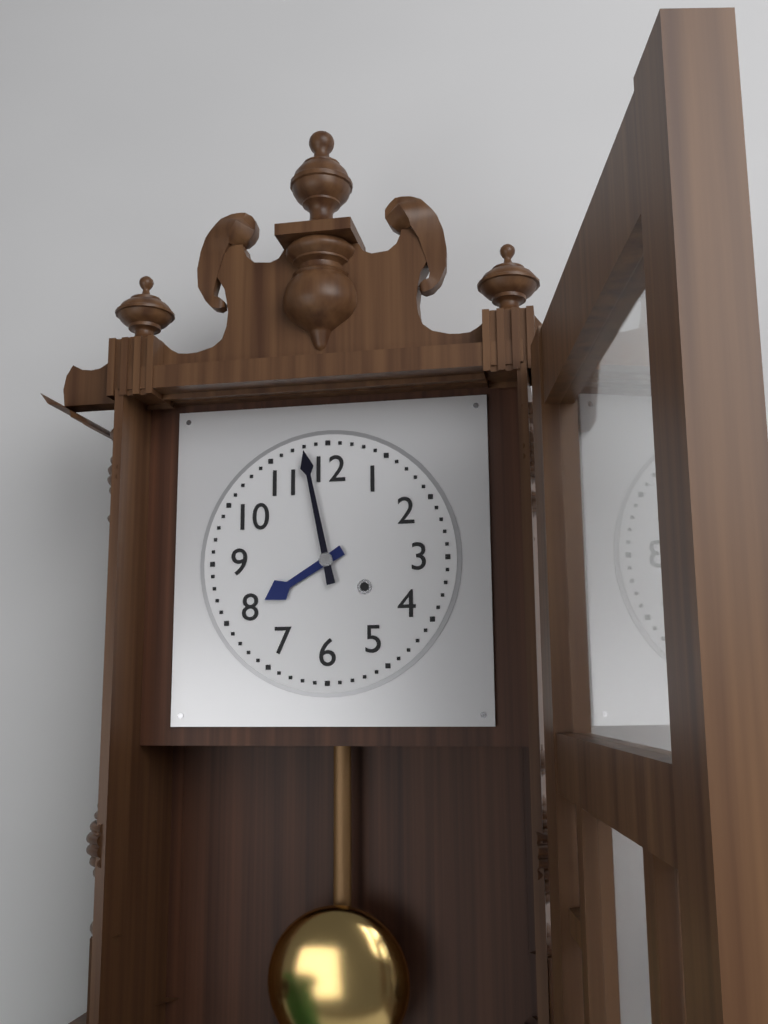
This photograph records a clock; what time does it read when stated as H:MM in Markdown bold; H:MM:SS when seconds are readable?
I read **7:58**
